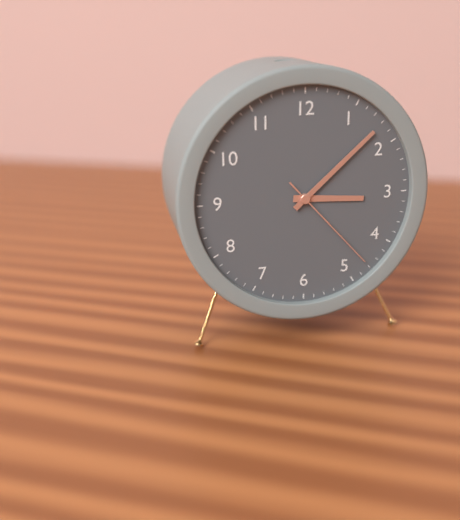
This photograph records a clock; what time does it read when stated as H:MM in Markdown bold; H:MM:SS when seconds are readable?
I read **3:08:23**
